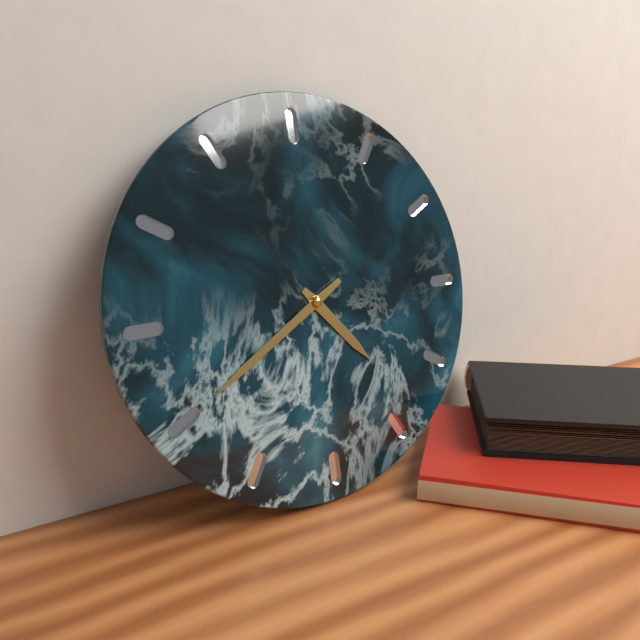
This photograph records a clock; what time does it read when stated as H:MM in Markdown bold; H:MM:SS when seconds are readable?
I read **4:40**
